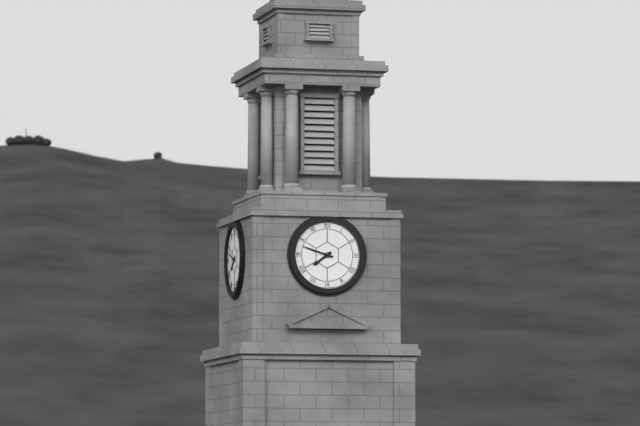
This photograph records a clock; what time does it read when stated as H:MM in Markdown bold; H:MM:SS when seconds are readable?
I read **7:48**
